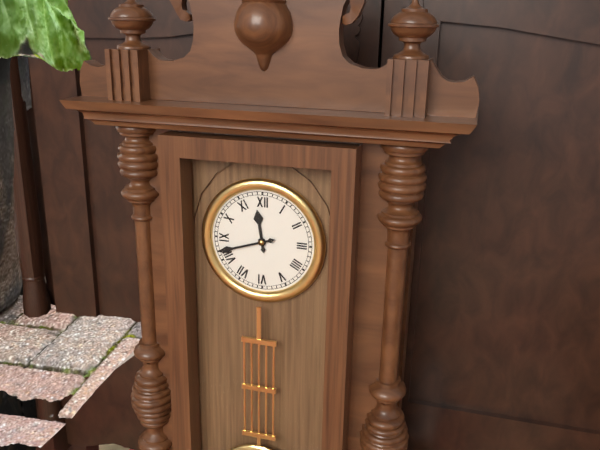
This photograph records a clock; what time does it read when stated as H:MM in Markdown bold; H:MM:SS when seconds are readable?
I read **11:42**
